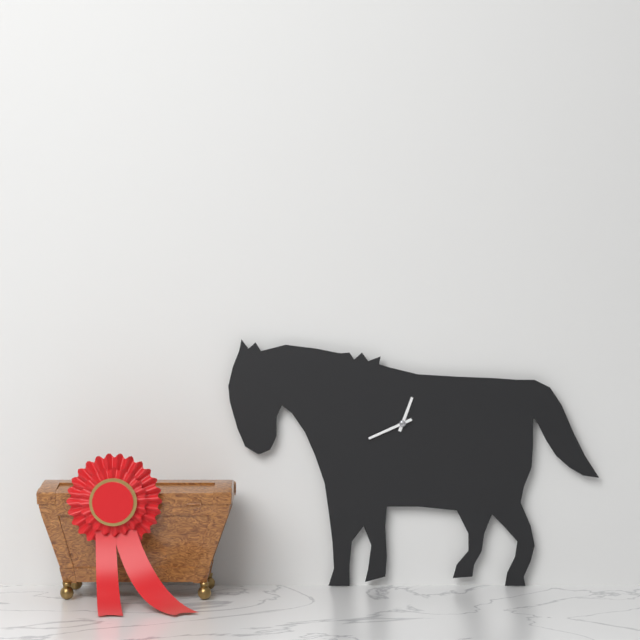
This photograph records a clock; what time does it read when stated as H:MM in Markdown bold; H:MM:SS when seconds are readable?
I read **12:41**
